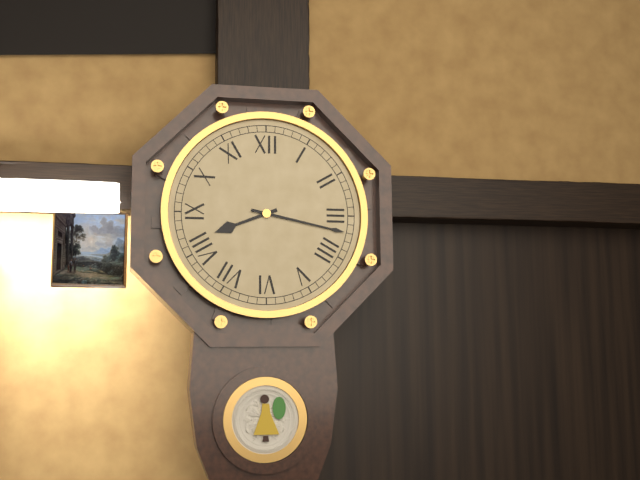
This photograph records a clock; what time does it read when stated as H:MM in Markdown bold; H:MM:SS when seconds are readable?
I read **8:17**
